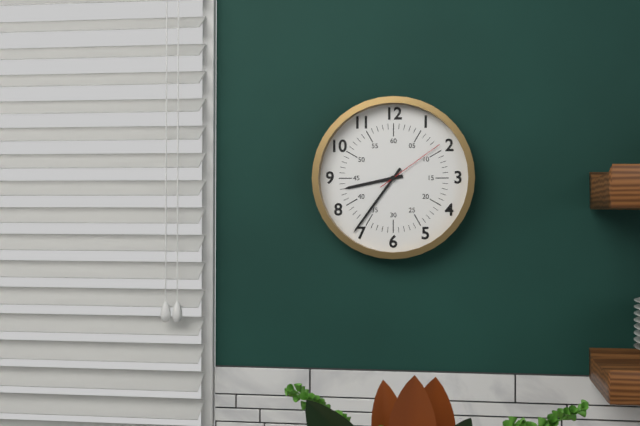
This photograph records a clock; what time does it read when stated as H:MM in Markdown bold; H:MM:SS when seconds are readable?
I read **8:36:09**
